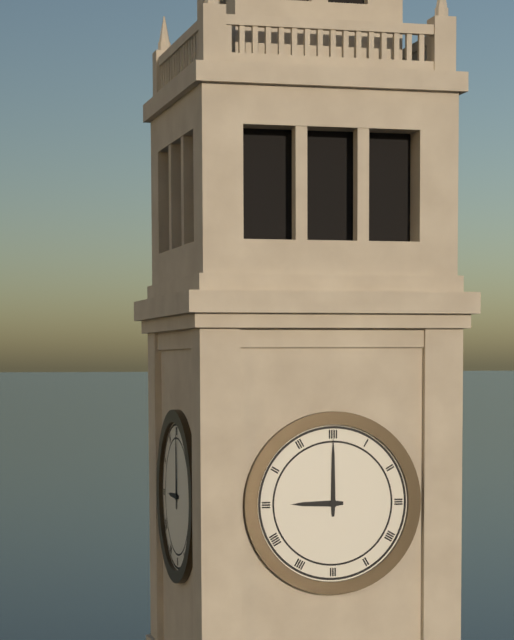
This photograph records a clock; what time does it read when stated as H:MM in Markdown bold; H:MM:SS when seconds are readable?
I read **9:00**
